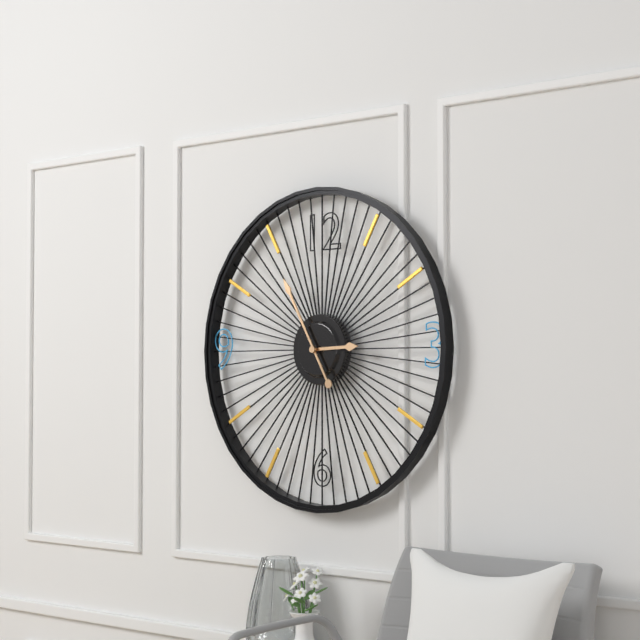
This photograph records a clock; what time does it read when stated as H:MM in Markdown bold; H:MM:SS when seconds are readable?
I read **2:55**
